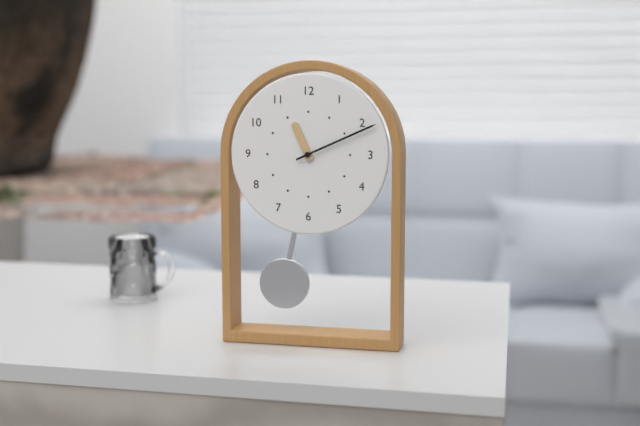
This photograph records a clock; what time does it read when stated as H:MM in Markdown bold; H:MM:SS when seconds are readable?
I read **11:11**
